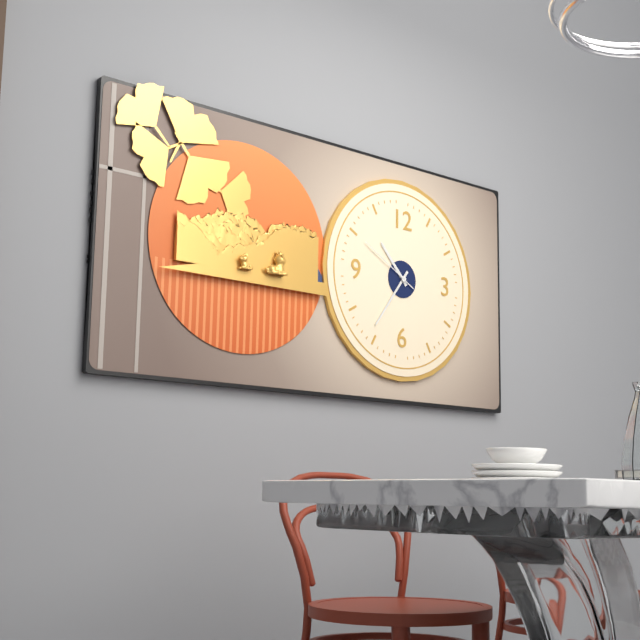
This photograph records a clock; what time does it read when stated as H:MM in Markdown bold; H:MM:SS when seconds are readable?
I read **10:36:50**
